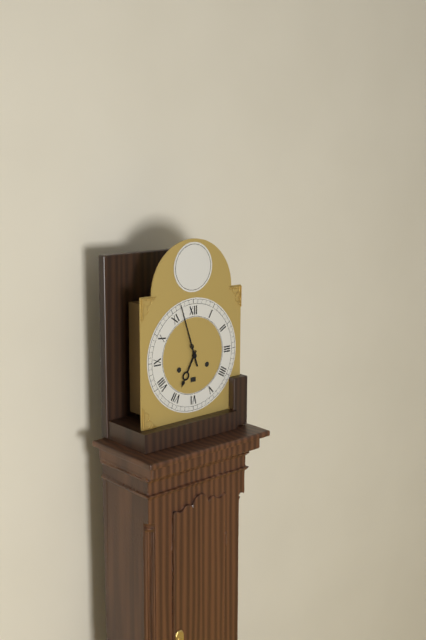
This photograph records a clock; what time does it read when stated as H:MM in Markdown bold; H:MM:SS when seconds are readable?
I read **6:57**
